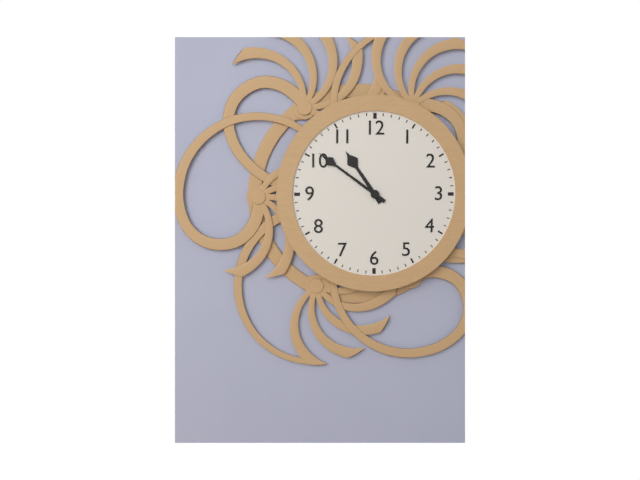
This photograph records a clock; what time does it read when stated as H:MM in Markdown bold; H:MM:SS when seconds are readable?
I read **10:51**
